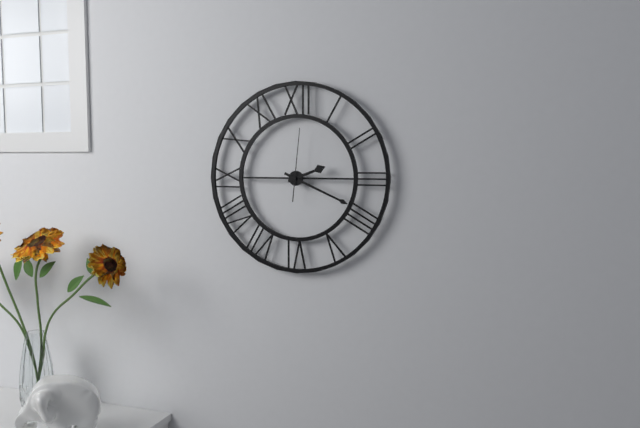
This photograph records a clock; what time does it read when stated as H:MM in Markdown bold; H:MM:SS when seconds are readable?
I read **2:19:01**
